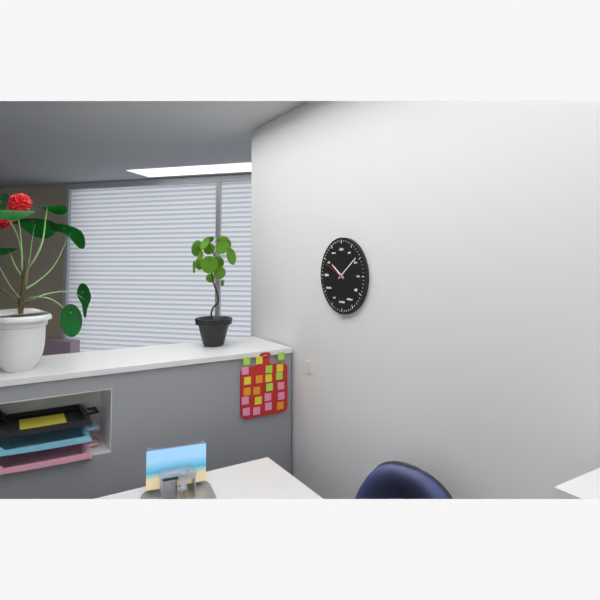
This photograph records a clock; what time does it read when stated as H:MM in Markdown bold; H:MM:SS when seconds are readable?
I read **10:09**
